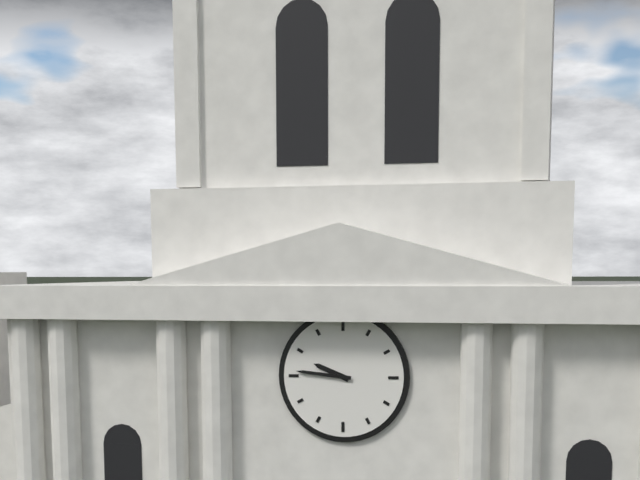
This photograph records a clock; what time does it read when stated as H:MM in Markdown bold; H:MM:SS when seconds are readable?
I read **9:46**
